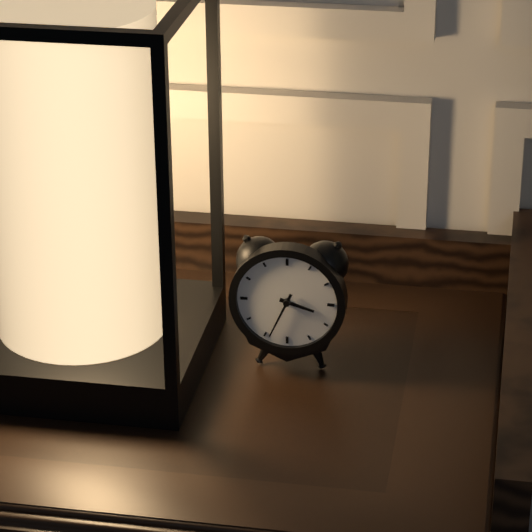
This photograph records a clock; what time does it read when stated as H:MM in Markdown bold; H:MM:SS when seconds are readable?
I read **3:34**
